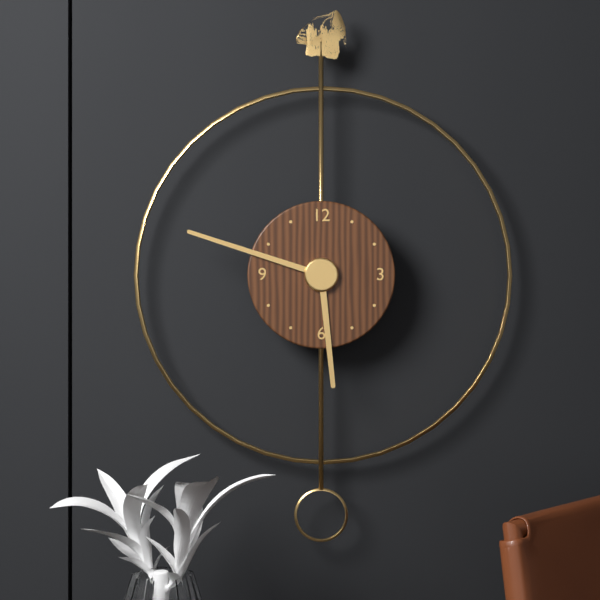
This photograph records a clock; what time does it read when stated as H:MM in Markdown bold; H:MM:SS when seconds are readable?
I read **5:48**
